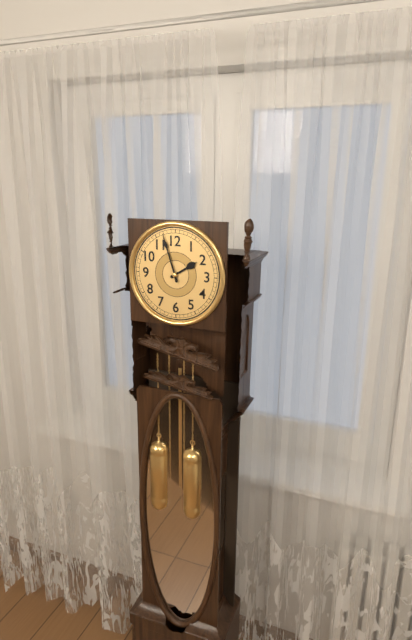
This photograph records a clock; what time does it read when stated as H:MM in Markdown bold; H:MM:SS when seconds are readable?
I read **1:57**
